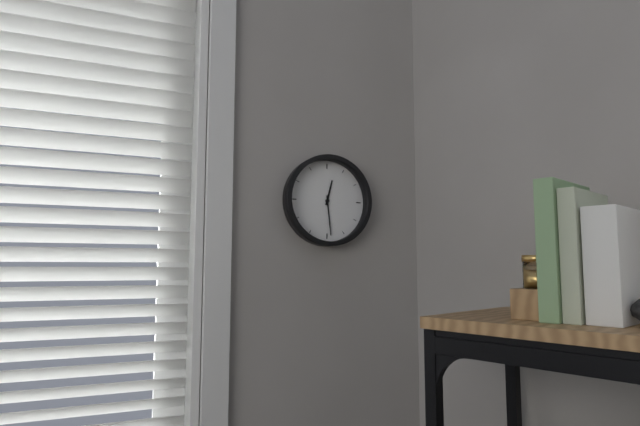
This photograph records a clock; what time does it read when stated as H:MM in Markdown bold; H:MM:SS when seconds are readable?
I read **12:29**
